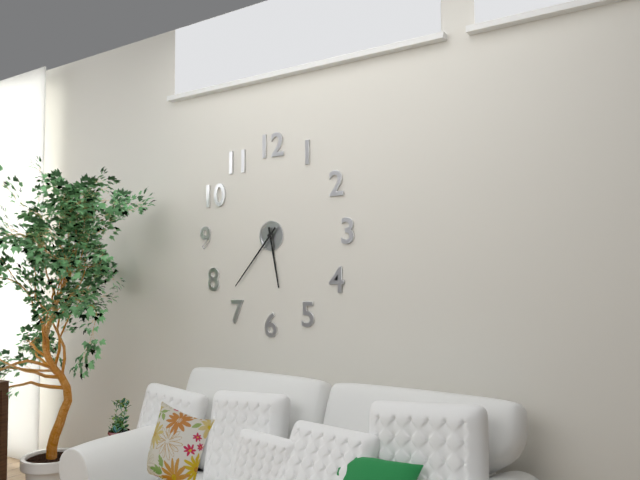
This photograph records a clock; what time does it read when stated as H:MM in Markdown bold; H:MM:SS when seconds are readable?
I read **5:37**
